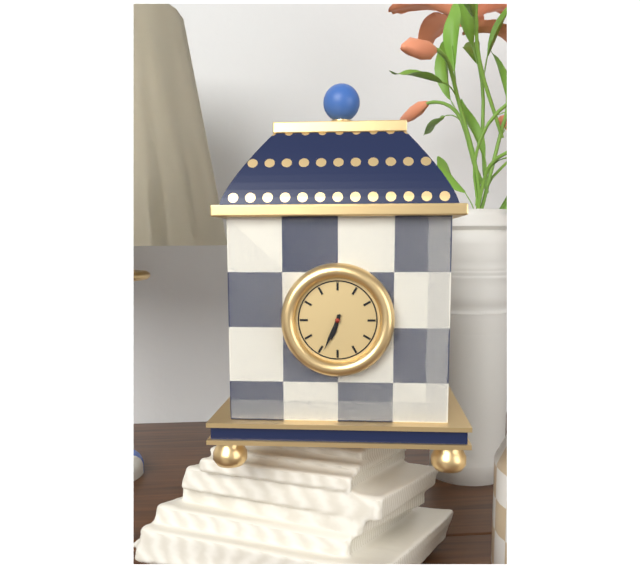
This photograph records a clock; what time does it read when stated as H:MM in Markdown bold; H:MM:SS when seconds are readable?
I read **6:34**
